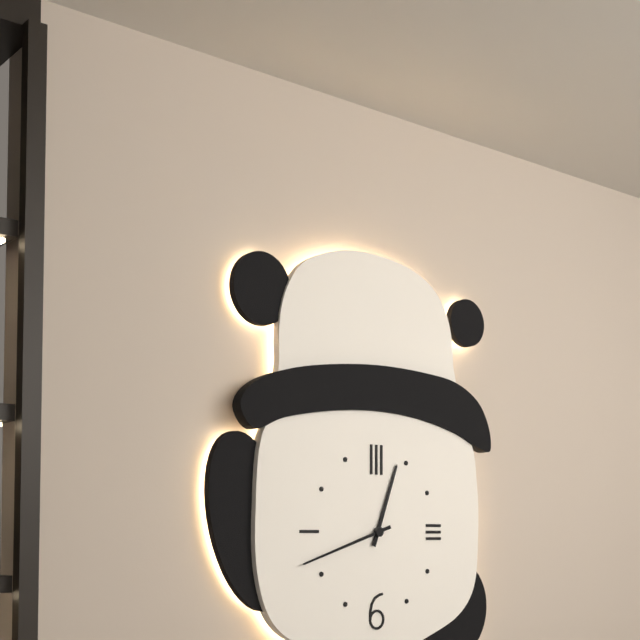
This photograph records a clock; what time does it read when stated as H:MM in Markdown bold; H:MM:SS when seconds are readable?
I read **12:42**
